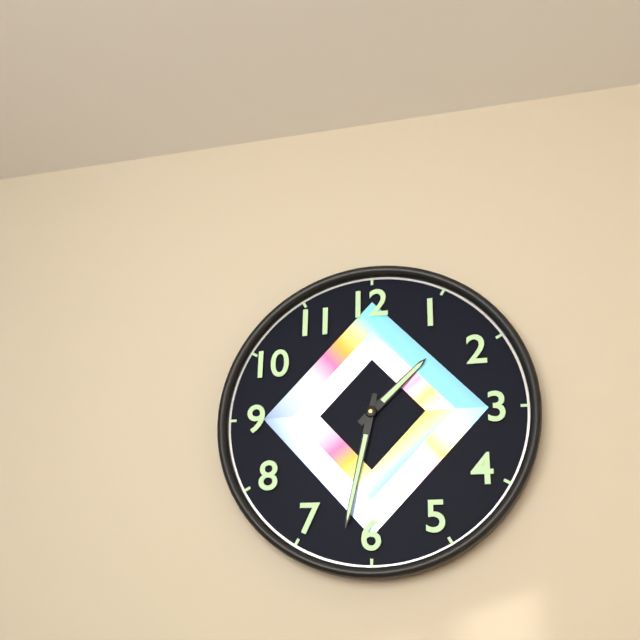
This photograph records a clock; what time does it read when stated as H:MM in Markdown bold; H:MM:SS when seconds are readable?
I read **1:32**
